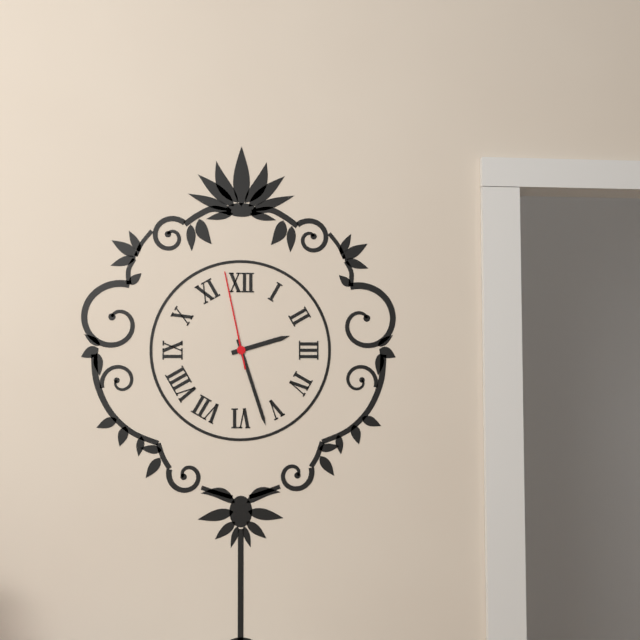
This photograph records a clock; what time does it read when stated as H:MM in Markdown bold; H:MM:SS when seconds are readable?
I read **2:27:58**
